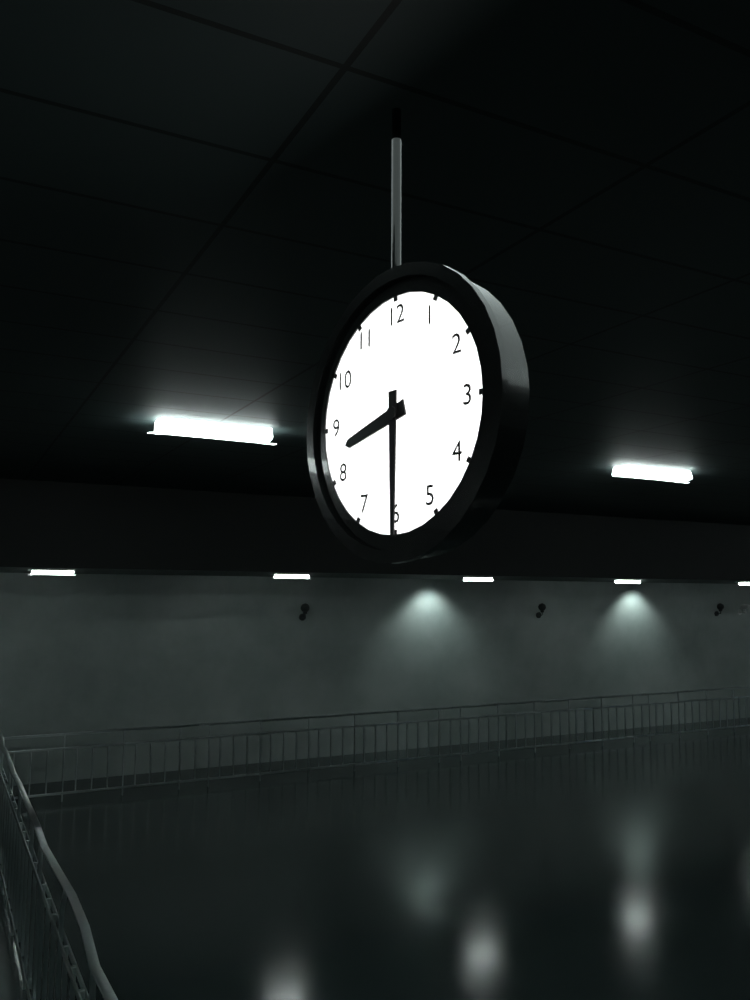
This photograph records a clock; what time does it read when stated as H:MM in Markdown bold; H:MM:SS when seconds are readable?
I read **8:30**
